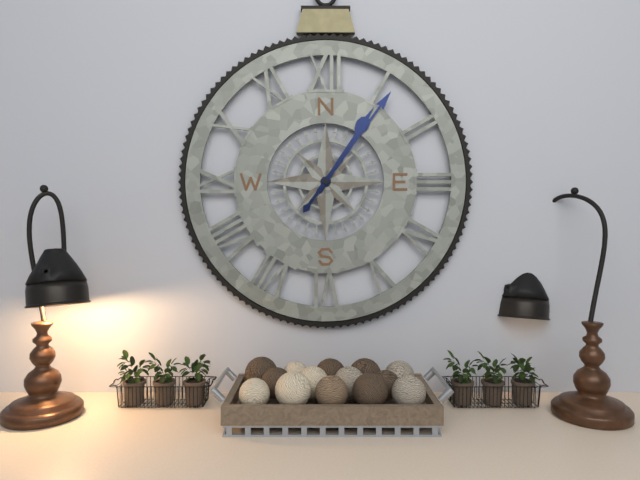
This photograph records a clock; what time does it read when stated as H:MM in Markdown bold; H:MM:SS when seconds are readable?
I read **1:06**
